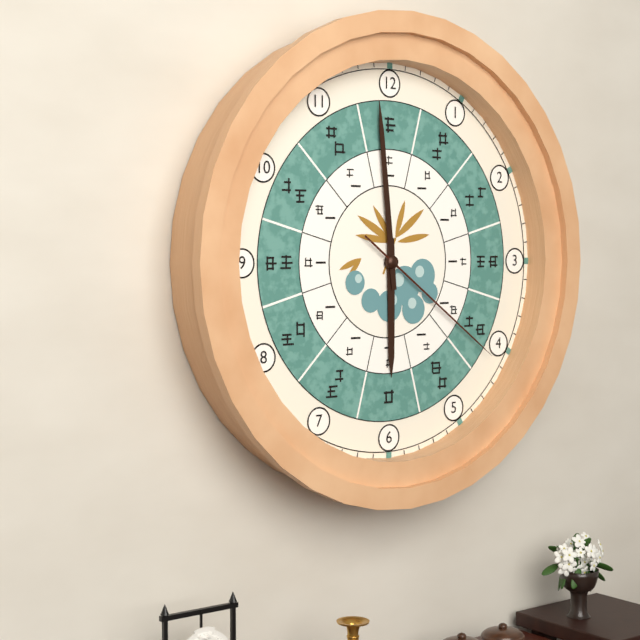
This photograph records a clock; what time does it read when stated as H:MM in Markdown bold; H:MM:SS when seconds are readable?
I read **5:59:21**
